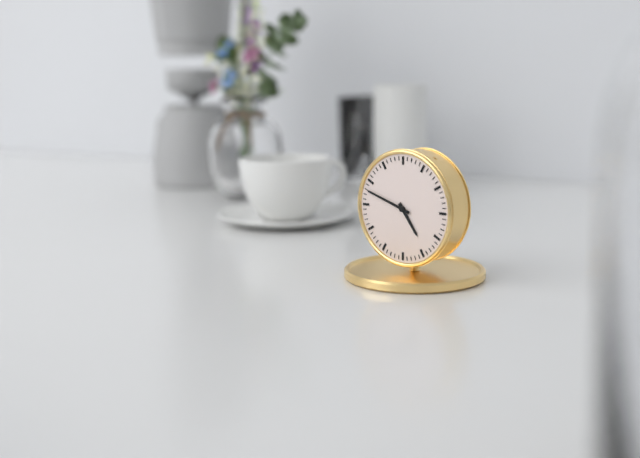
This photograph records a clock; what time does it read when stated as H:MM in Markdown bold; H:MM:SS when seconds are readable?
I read **4:48**
